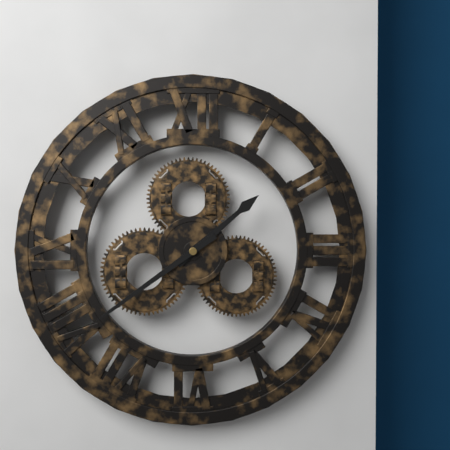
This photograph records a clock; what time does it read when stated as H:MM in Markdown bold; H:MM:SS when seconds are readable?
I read **1:39**
